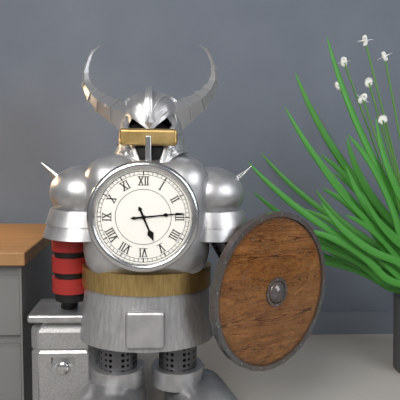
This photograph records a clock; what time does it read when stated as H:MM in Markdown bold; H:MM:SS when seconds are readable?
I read **5:14**
